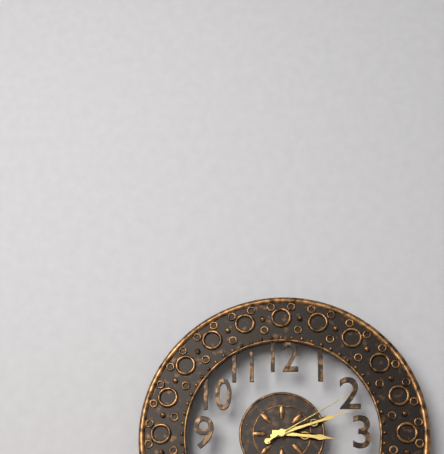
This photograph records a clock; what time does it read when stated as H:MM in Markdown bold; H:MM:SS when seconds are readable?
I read **3:12:10**
